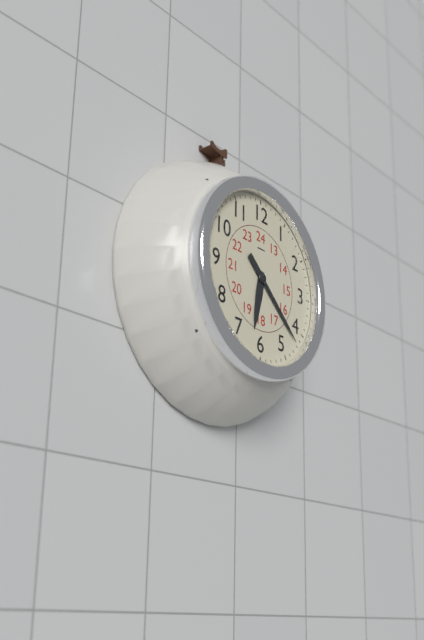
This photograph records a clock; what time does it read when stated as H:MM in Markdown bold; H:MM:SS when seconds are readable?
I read **6:22**
